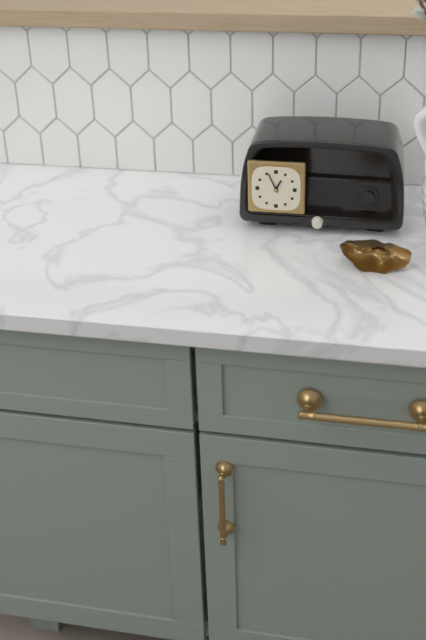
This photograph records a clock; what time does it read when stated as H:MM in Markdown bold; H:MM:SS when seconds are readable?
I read **12:56**
